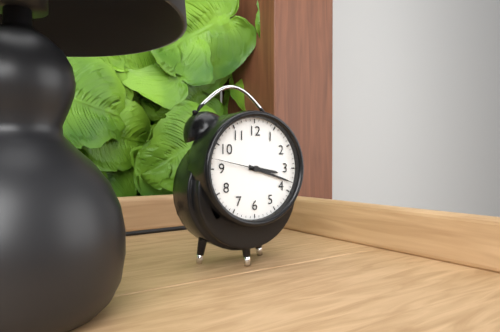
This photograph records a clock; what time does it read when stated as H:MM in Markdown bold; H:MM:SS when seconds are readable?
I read **3:18:47**
